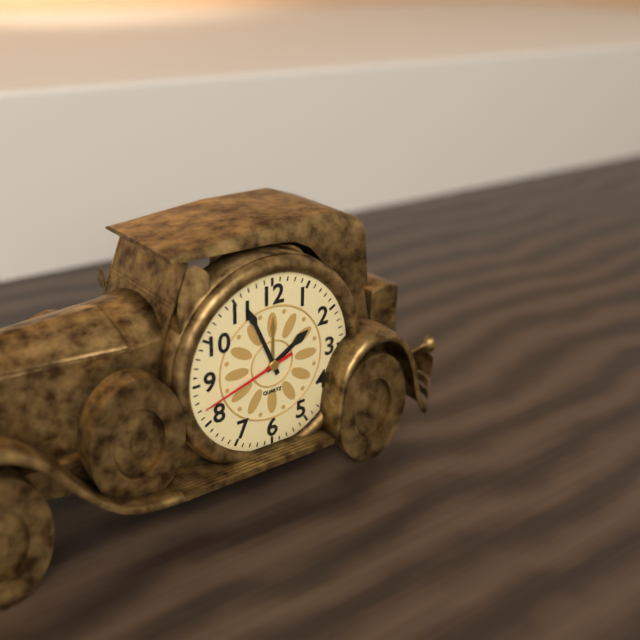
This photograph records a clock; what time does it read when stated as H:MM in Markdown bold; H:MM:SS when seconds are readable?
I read **1:56:42**
